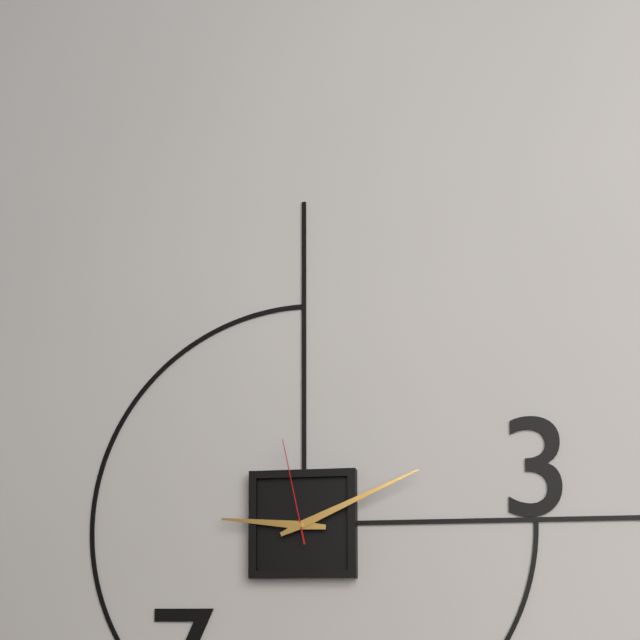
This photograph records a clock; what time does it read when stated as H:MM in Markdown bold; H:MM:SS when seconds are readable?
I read **9:11:58**
